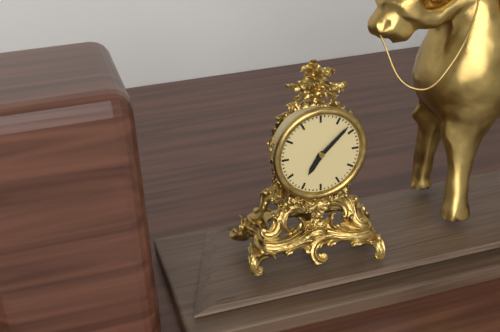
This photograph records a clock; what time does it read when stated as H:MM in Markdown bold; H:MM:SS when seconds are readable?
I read **7:08**
